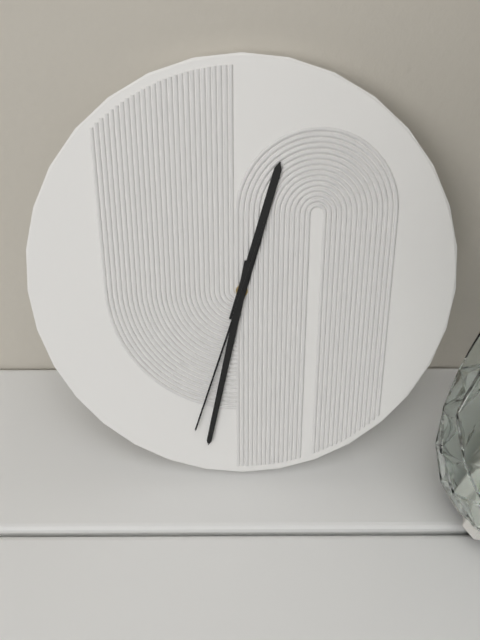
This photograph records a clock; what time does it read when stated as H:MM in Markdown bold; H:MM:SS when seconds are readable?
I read **12:32:33**
